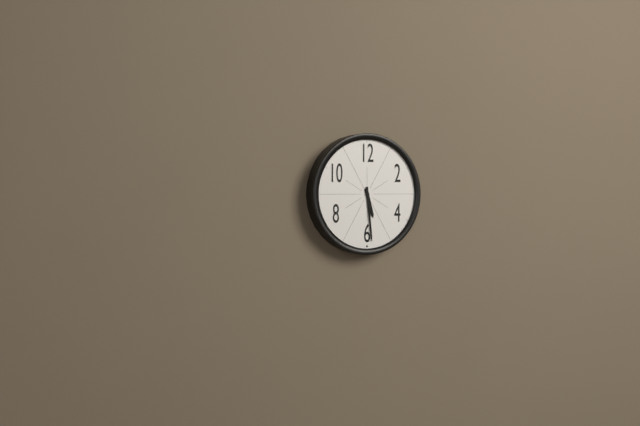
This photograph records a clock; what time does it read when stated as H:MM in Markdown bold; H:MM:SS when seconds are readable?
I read **5:29**
